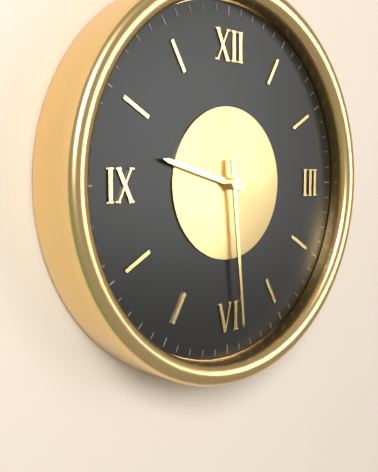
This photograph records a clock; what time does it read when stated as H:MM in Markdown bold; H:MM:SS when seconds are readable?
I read **9:29**
